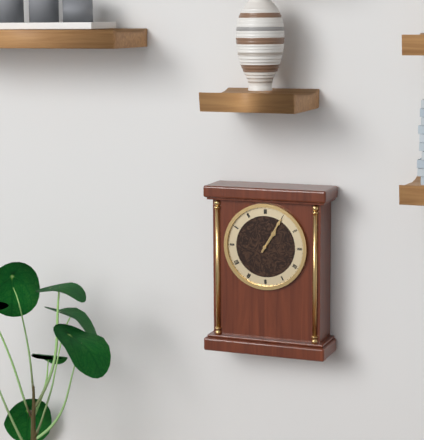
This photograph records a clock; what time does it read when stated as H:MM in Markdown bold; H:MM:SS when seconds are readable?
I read **1:05**
